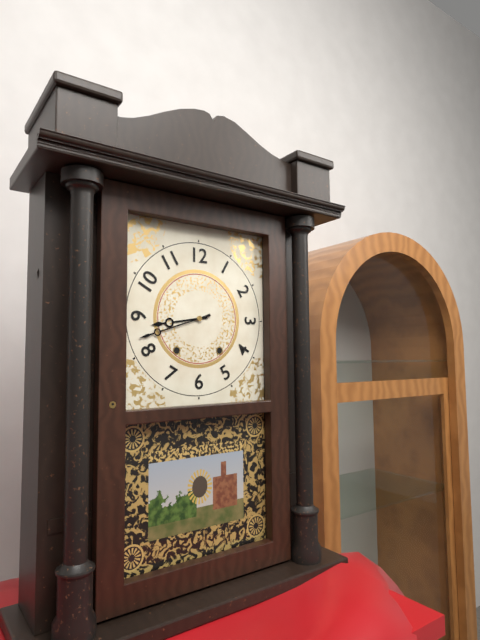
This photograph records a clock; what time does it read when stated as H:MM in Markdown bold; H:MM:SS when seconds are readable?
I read **8:42**
